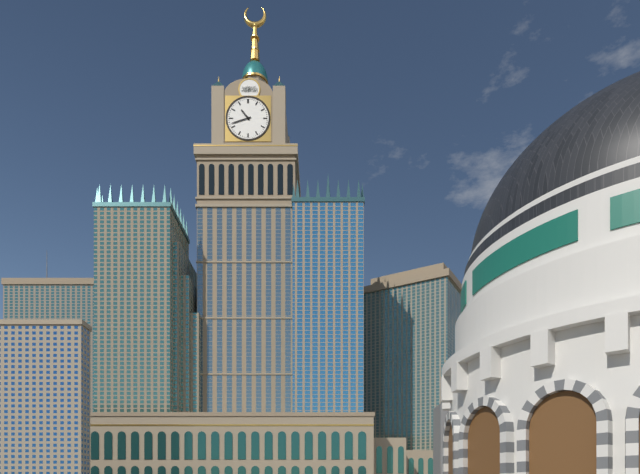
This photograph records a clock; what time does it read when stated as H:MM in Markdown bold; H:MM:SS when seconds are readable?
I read **10:42**
